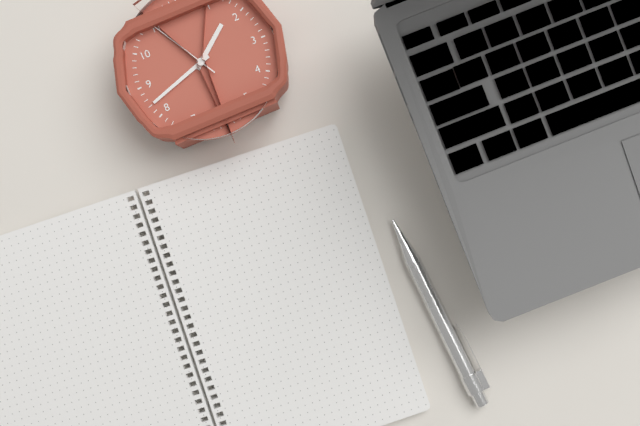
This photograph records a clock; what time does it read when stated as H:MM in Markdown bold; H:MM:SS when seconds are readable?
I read **1:42:55**
